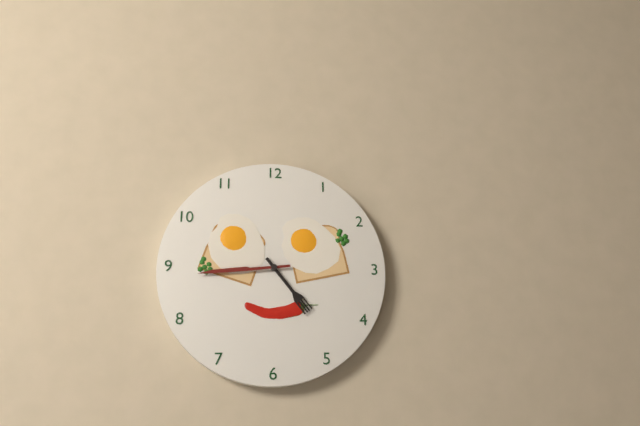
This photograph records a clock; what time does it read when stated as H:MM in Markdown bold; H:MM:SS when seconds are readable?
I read **4:44**
